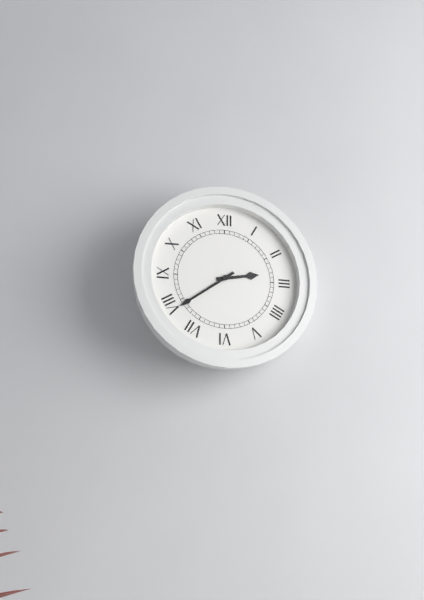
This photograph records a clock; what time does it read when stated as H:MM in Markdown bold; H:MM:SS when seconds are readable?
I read **2:39**
